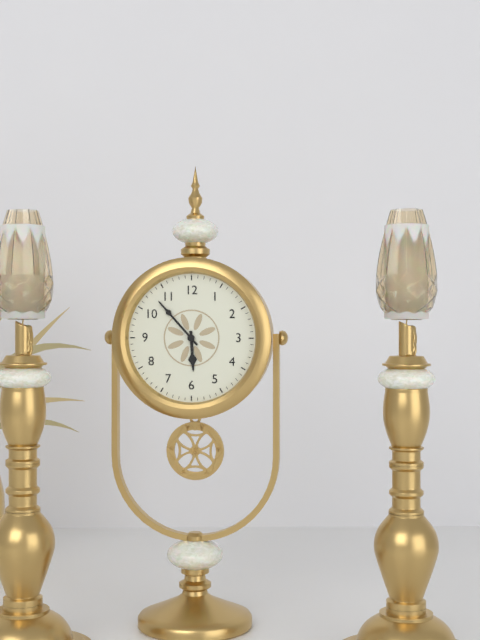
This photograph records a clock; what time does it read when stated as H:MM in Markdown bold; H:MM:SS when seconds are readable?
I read **5:53**
